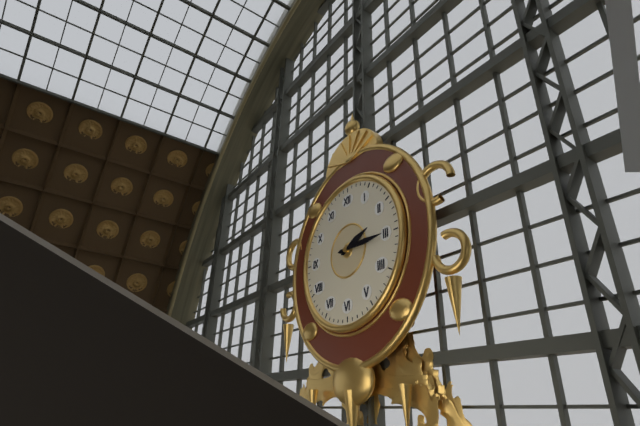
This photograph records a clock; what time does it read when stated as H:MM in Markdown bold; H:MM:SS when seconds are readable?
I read **2:15**
